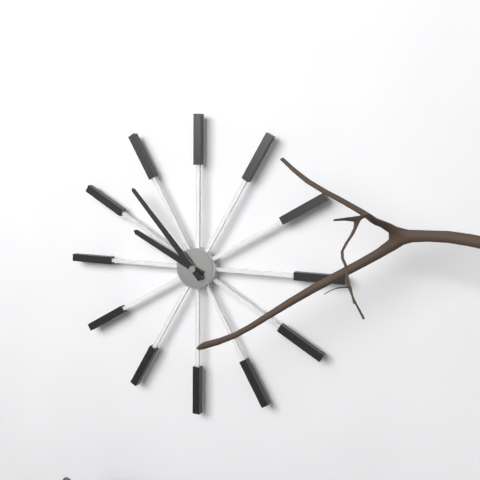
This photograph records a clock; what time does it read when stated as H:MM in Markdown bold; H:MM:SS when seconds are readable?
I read **9:53**
